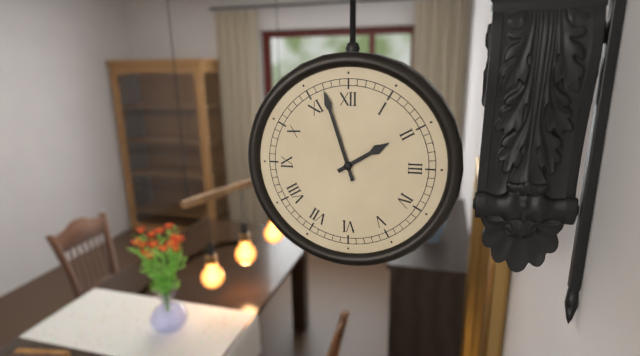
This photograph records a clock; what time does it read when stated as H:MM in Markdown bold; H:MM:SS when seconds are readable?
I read **1:57**
